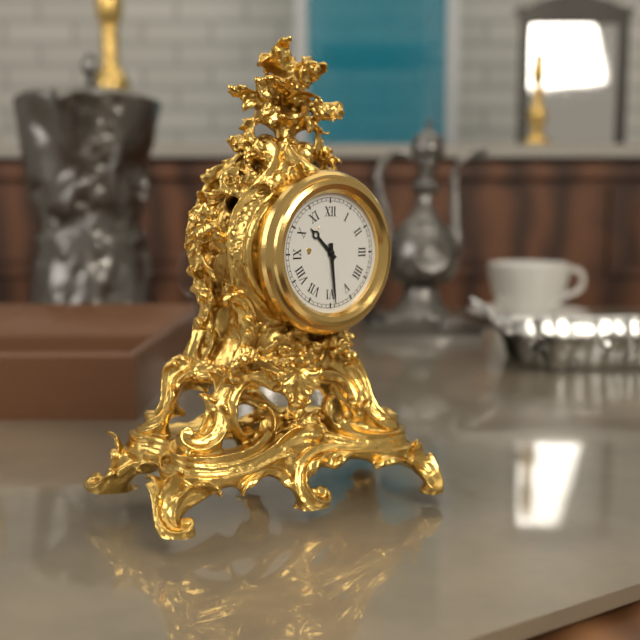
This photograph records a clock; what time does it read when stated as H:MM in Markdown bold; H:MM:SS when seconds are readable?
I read **10:29**
